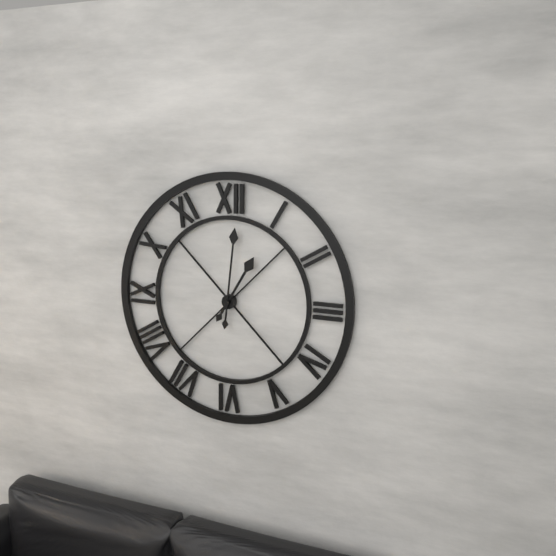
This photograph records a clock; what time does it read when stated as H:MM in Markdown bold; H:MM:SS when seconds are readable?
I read **1:01**
